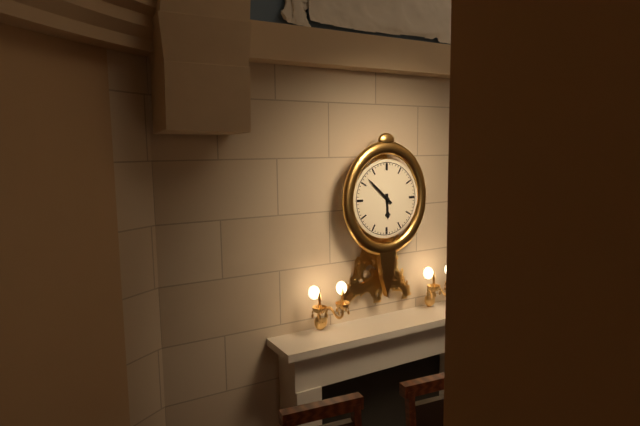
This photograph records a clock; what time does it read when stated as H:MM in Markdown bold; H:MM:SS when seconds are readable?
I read **5:52**
